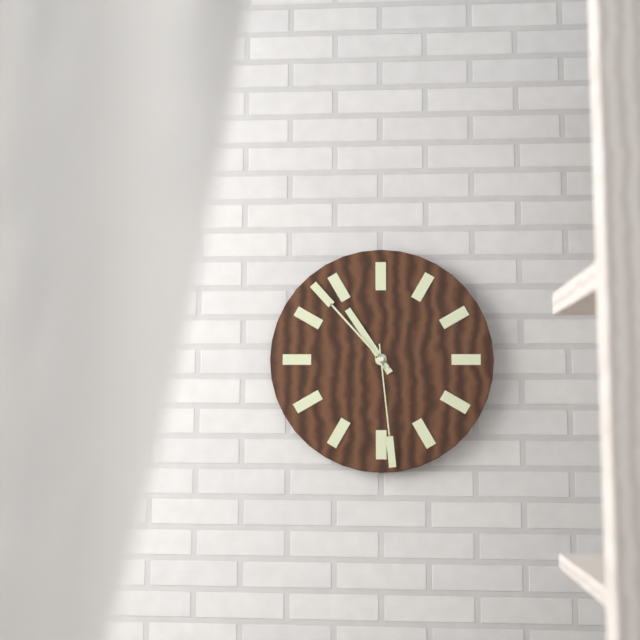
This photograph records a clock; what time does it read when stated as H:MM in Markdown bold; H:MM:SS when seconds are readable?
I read **10:53:29**
